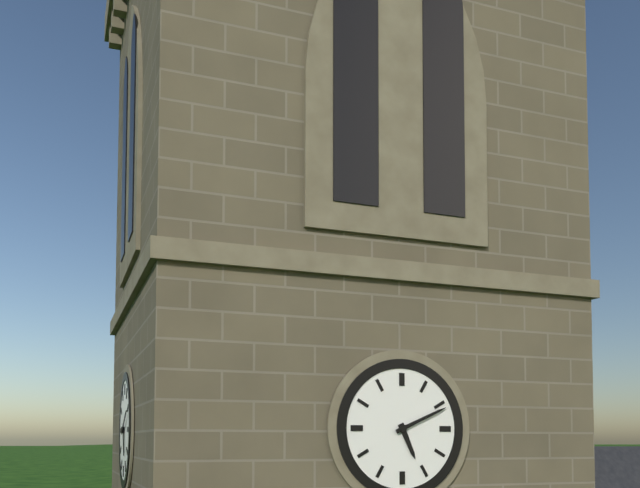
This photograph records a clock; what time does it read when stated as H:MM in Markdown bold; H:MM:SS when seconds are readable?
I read **5:11**
